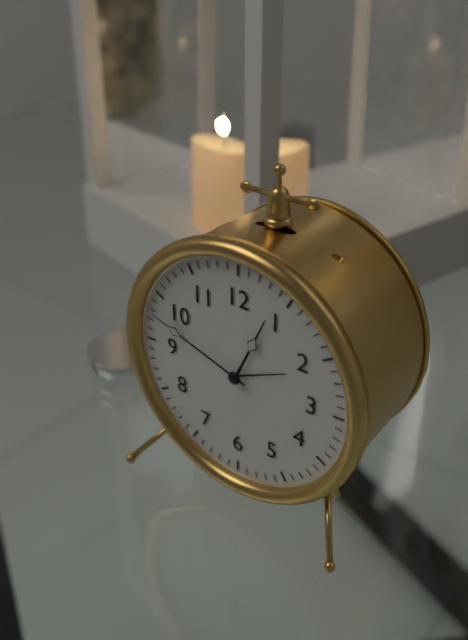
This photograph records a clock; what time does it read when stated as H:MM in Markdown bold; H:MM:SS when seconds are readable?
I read **12:48**
